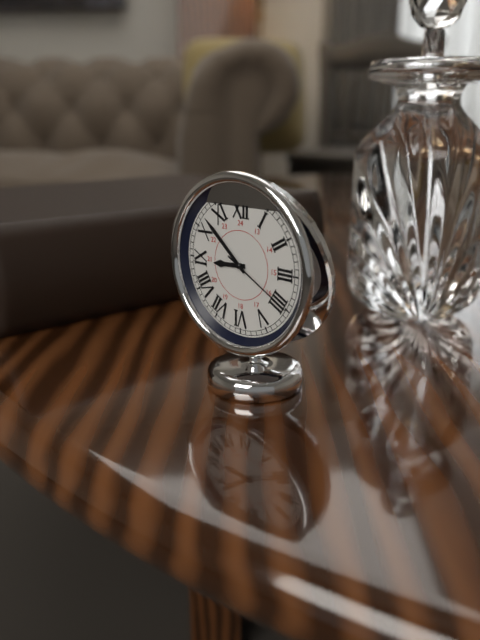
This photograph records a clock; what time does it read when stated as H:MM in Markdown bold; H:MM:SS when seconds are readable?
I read **8:52:20**
